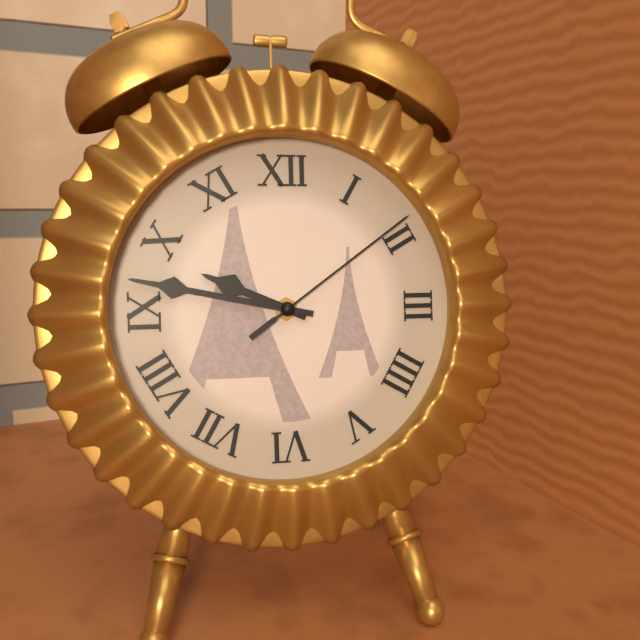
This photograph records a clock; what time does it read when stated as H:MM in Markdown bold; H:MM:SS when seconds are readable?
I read **9:47:09**
